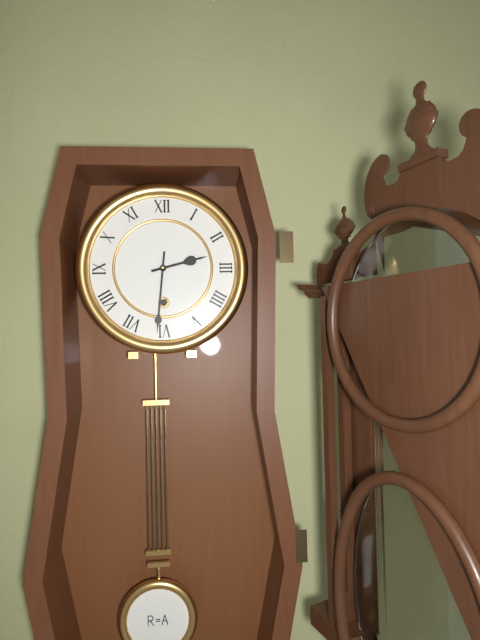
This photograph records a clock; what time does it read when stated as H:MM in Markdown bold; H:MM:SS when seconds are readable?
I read **2:31**
